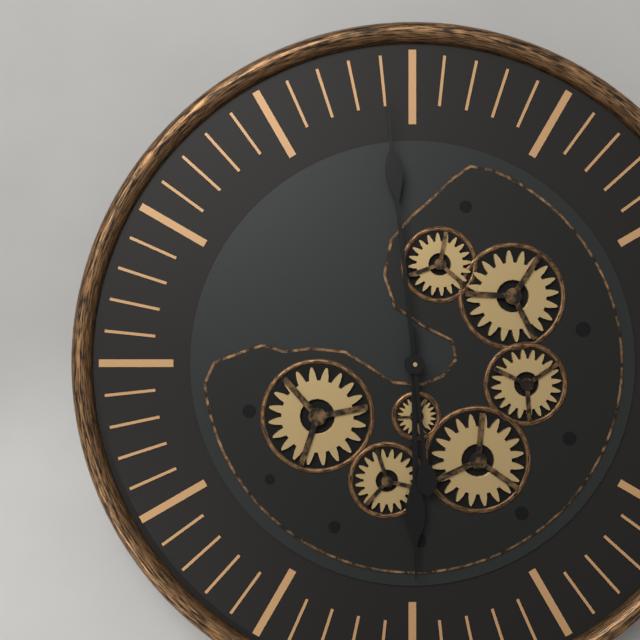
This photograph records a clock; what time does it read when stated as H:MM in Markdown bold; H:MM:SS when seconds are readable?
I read **5:59**
